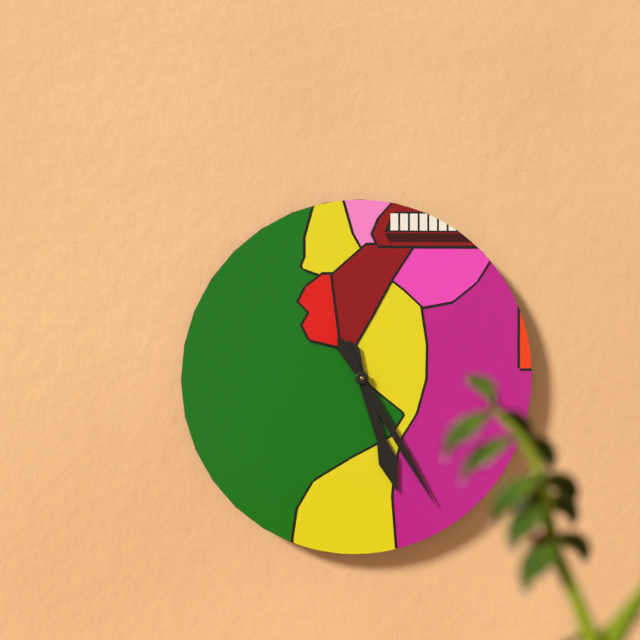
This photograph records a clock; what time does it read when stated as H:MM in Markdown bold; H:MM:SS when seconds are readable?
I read **5:25**
